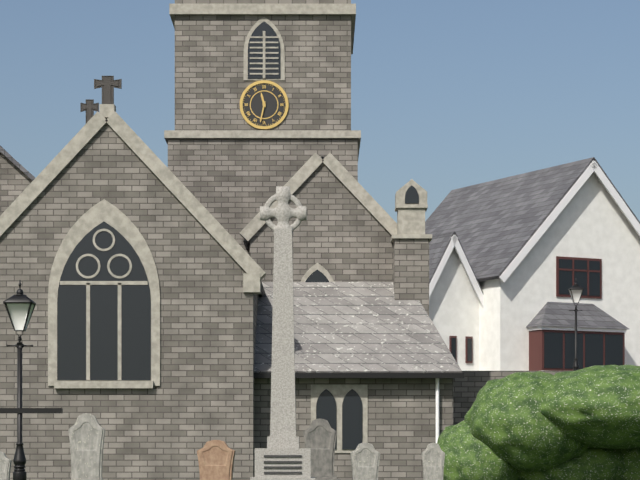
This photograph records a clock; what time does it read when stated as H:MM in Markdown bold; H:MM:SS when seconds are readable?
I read **11:32**
